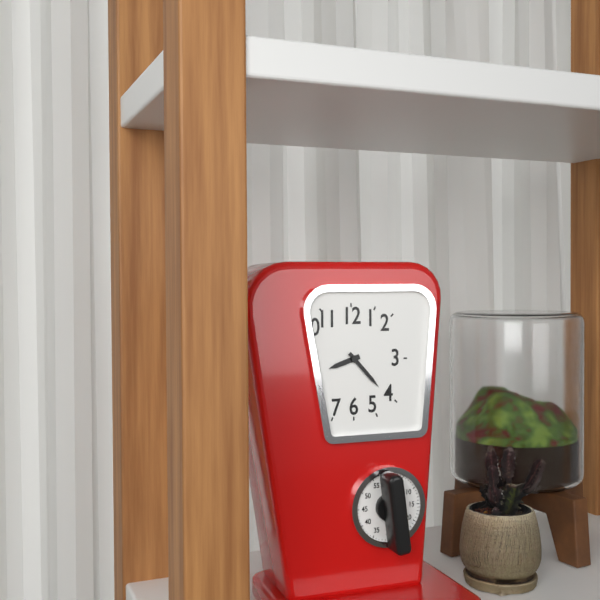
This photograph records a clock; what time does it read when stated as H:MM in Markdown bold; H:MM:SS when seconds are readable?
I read **8:23**
